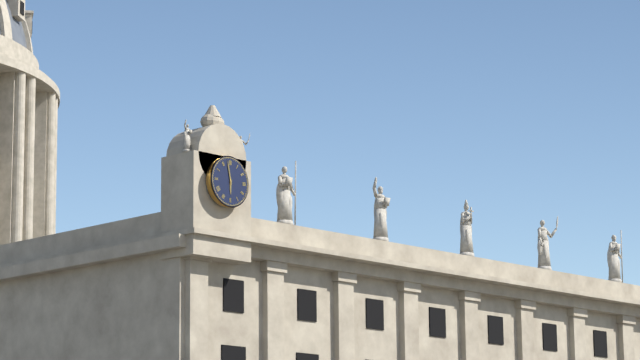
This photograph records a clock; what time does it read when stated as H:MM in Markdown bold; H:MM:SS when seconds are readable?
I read **5:58**
